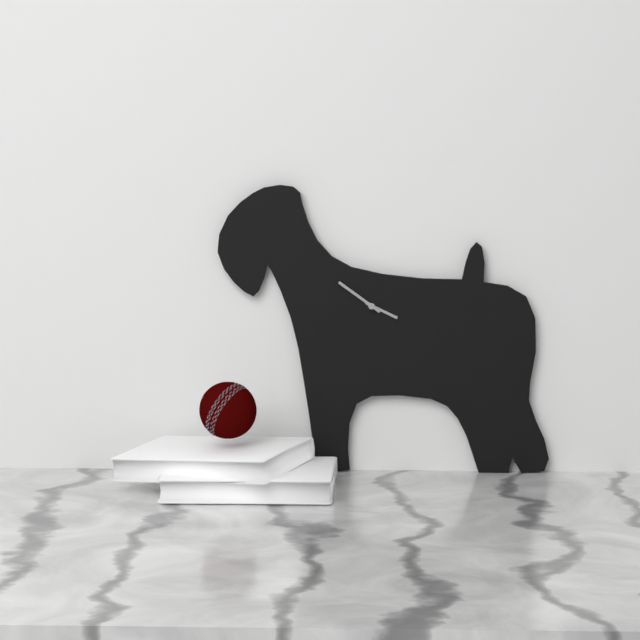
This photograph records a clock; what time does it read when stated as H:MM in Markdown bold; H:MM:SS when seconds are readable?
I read **3:51**
